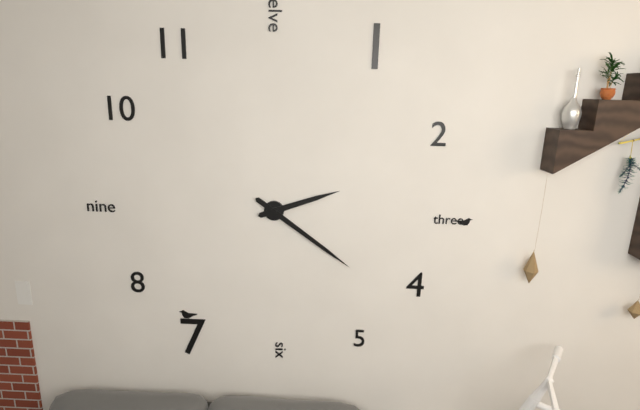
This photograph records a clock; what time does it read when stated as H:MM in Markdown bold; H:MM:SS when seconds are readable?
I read **2:21**
